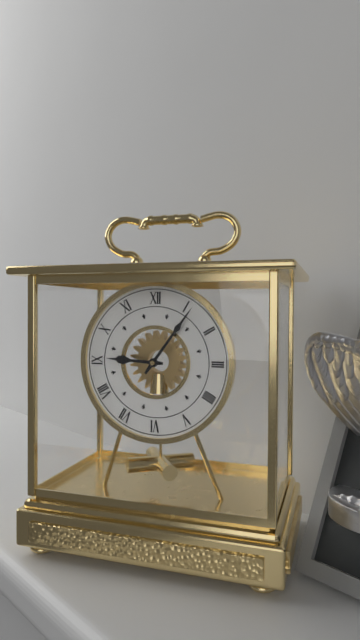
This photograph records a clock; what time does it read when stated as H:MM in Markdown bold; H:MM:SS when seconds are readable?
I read **9:06**
